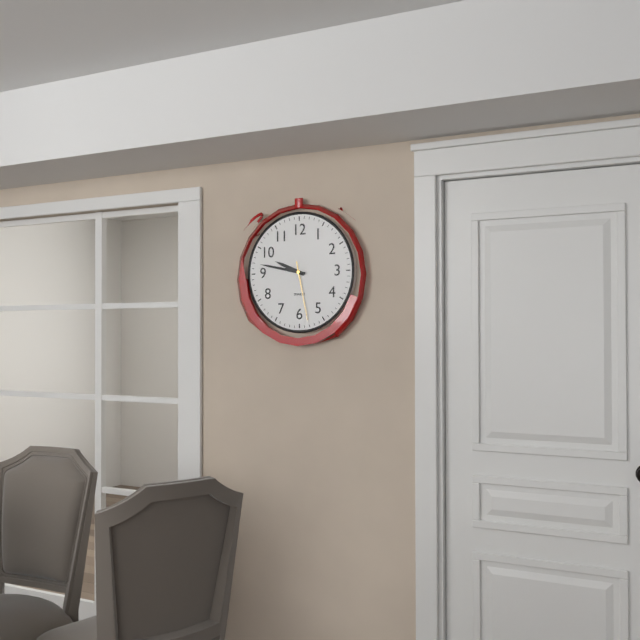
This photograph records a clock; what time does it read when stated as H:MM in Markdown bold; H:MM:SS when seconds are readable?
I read **9:47:28**
